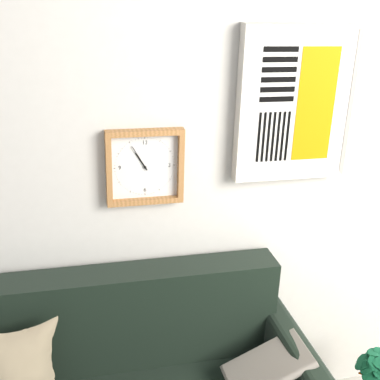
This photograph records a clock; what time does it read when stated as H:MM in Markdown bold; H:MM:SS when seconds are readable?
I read **10:55**
